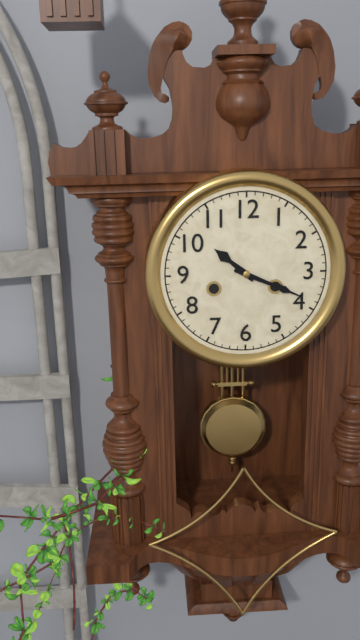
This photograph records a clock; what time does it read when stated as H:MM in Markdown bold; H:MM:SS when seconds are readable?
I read **10:19**
